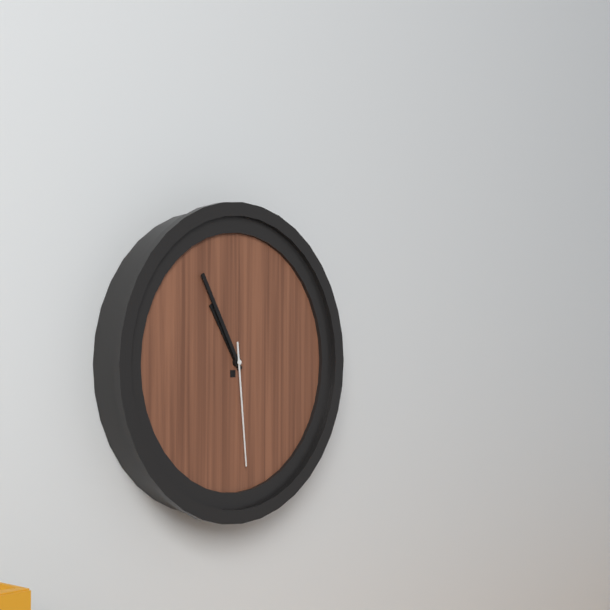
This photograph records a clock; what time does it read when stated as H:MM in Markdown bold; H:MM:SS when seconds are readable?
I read **10:55:29**
